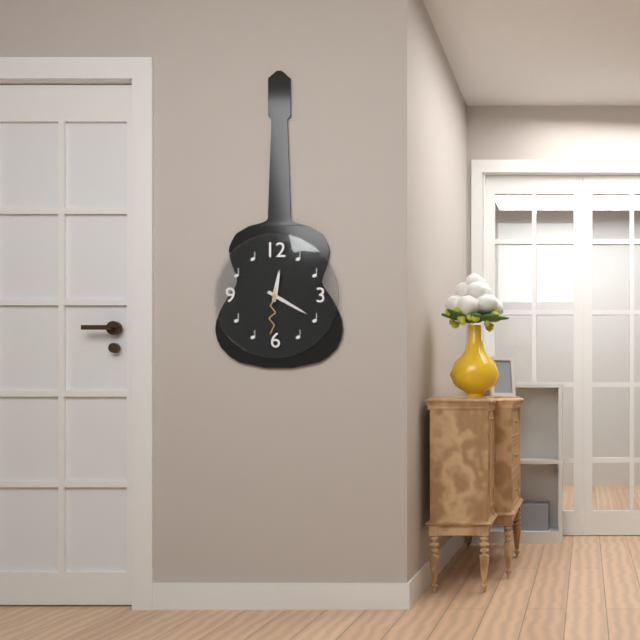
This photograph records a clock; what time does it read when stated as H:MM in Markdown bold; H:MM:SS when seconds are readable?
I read **12:20**
